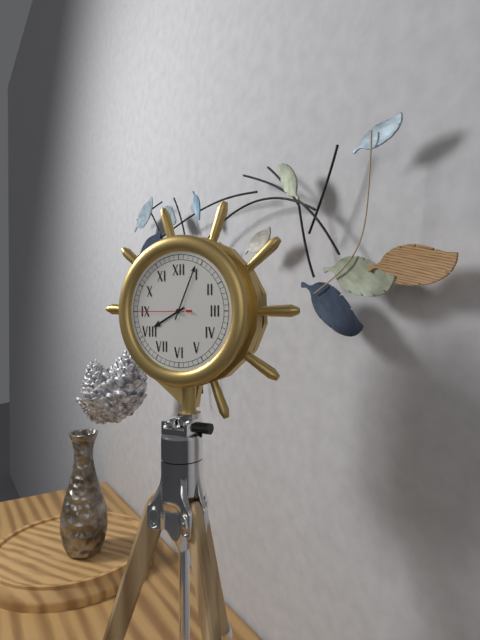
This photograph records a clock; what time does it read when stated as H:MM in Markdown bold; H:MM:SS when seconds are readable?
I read **8:04:45**
